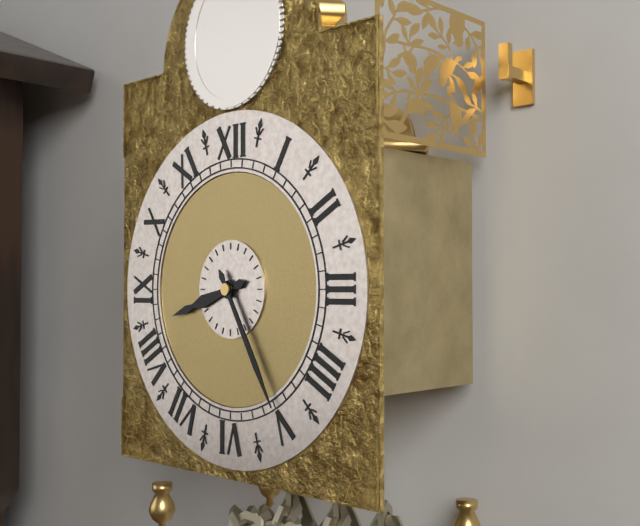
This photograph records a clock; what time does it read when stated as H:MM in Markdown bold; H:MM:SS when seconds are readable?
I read **8:25**
